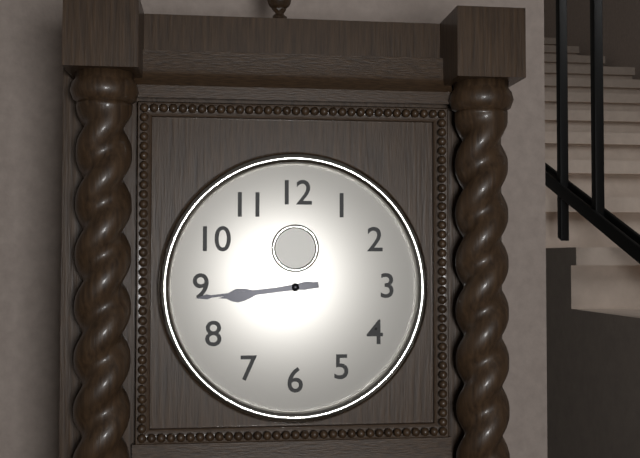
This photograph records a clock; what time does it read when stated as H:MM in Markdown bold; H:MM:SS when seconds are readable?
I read **8:44**
